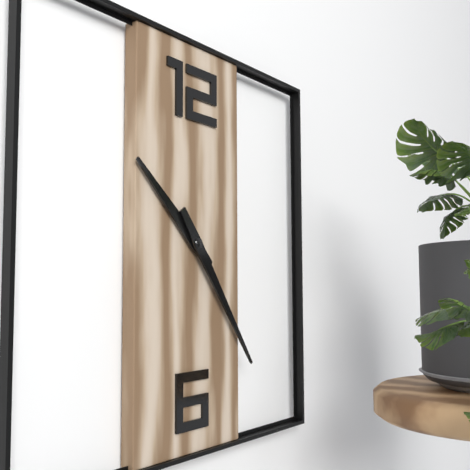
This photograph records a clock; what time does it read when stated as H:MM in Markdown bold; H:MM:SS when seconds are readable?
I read **10:24**
